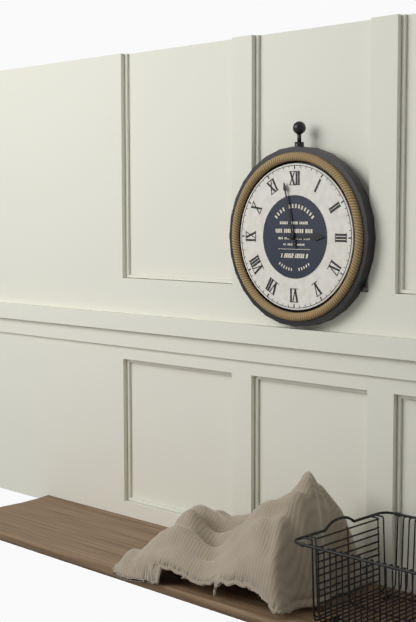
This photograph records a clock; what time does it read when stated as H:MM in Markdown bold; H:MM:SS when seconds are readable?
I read **2:58**
